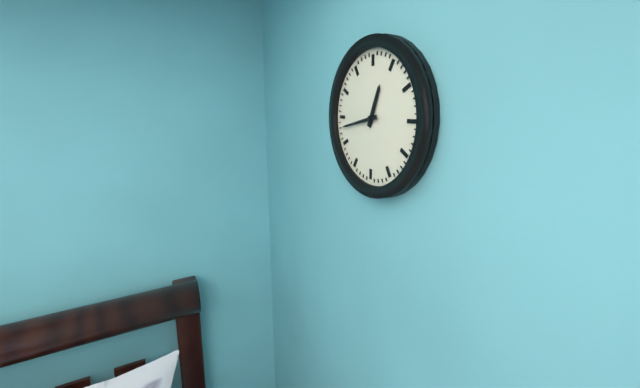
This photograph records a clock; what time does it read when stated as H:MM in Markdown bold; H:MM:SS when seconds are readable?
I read **12:43**
